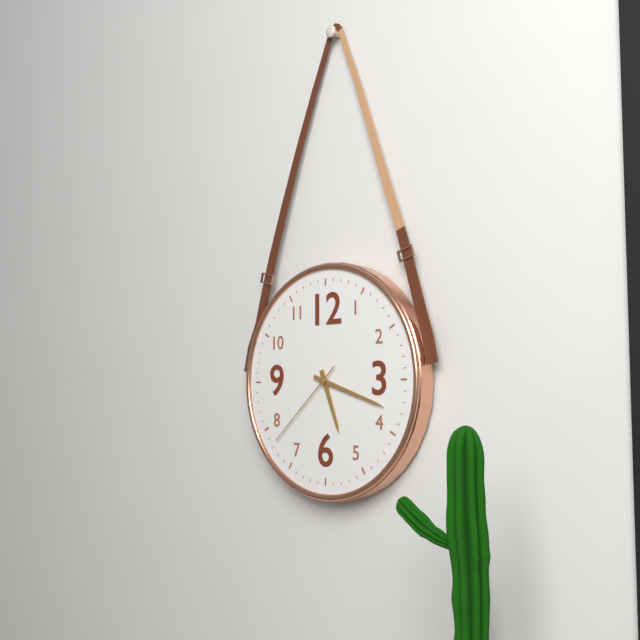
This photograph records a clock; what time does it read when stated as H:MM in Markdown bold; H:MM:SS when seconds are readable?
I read **5:18:38**
